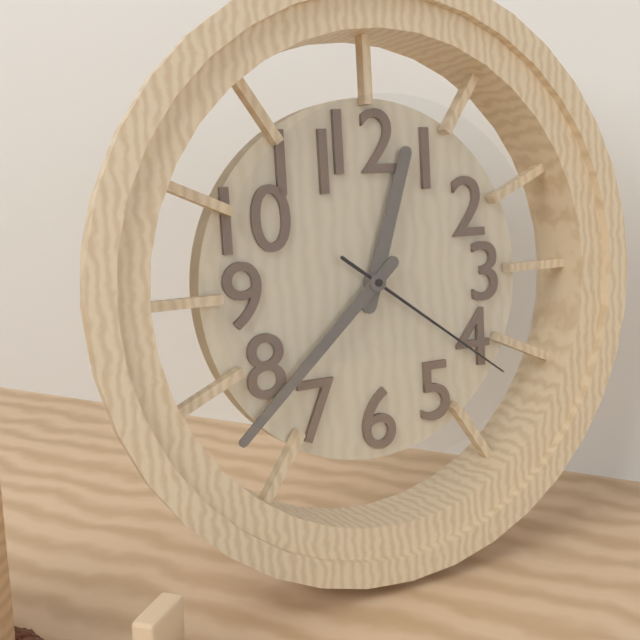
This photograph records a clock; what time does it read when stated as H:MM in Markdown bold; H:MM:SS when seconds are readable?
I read **12:38:21**
